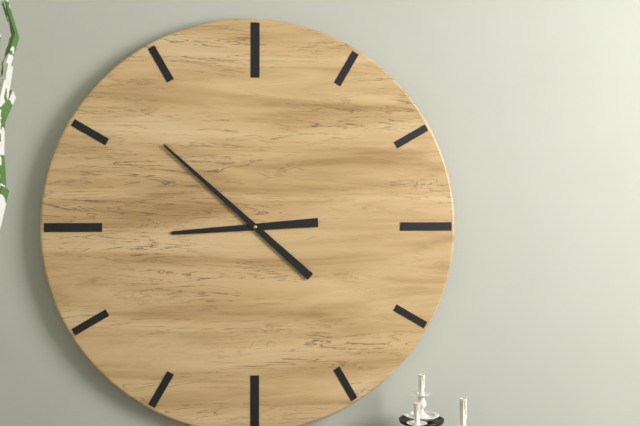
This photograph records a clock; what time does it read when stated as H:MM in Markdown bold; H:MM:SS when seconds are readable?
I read **8:52**
